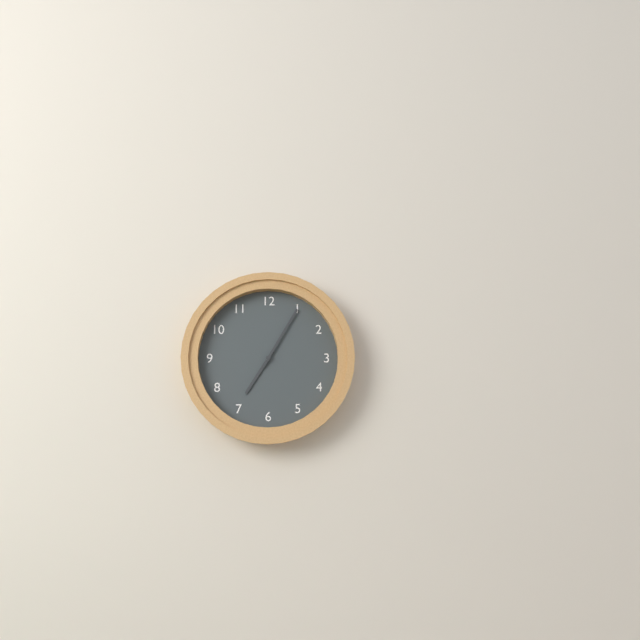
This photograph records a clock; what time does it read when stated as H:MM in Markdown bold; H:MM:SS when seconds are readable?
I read **7:05**
